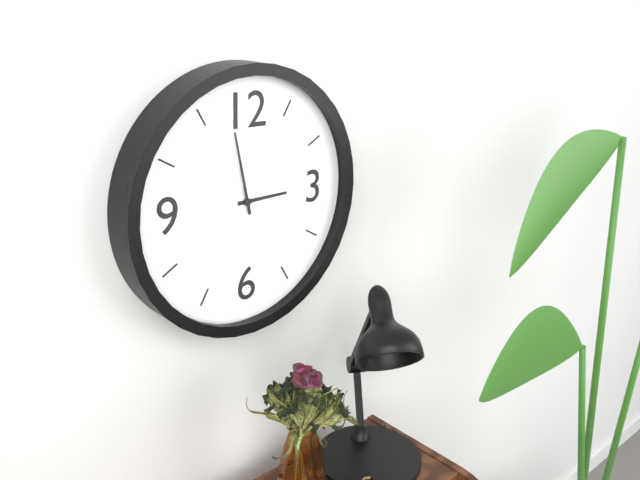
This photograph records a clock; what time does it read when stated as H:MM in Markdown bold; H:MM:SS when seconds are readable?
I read **2:58**
